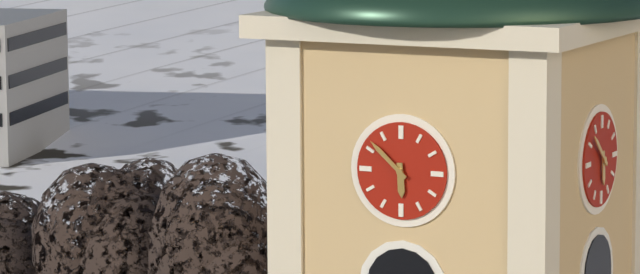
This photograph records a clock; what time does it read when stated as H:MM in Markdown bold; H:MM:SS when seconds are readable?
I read **5:52**
